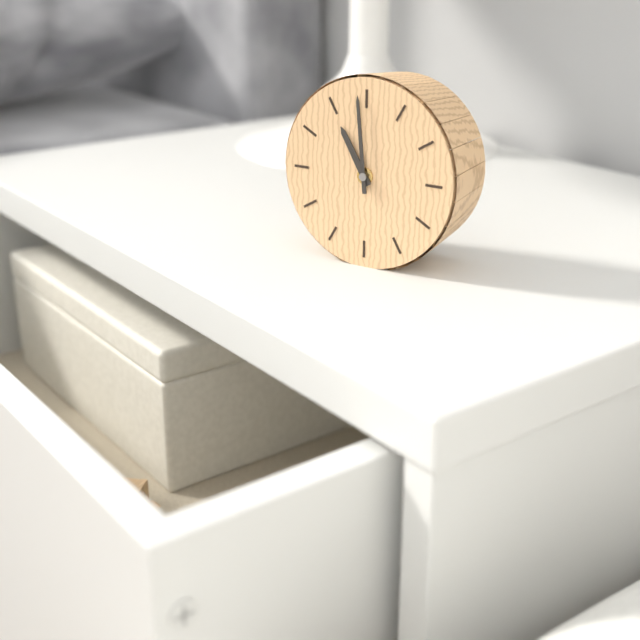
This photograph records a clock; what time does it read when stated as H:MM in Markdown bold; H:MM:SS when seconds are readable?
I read **10:59**
